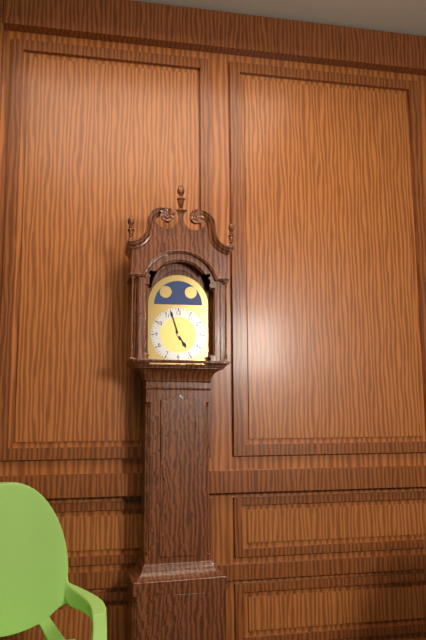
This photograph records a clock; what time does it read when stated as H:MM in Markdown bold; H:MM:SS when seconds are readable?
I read **4:57**
